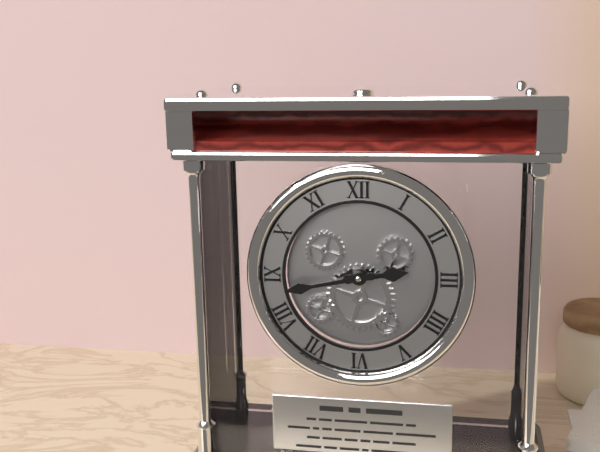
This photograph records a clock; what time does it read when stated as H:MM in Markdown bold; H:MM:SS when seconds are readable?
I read **2:43**
